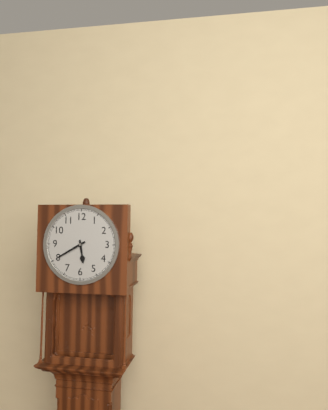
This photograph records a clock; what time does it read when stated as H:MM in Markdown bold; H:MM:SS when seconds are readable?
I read **5:40**
